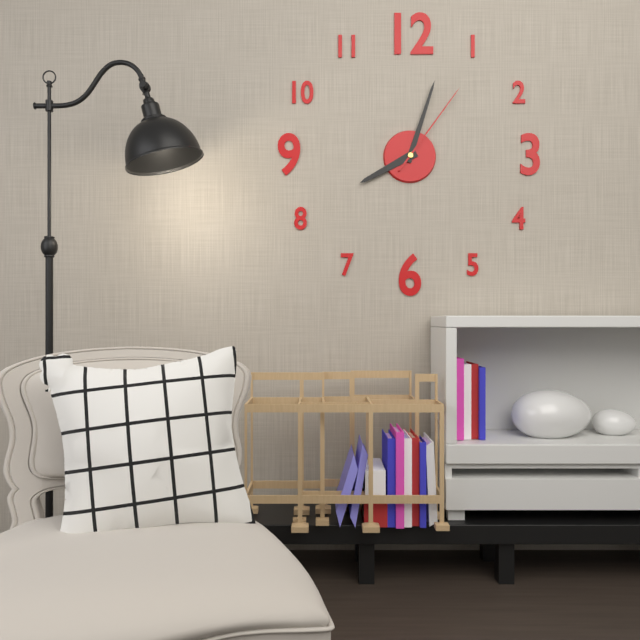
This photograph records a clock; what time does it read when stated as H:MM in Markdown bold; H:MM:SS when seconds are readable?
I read **8:03:06**
